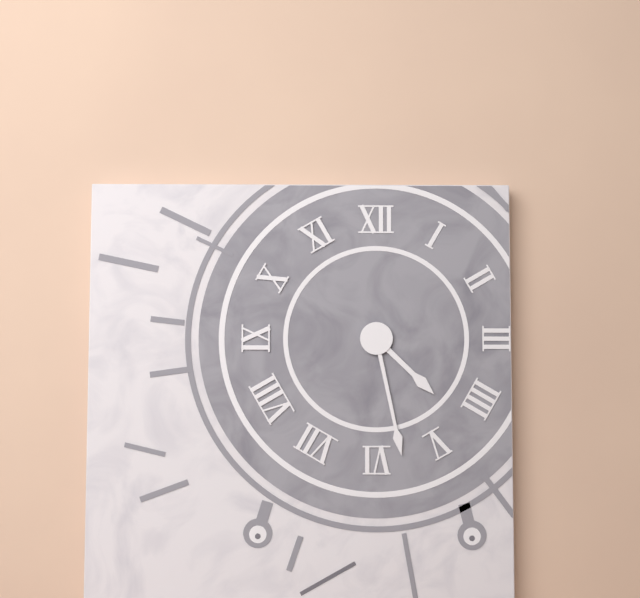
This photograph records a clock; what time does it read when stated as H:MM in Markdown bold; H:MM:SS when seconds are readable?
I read **4:28**
